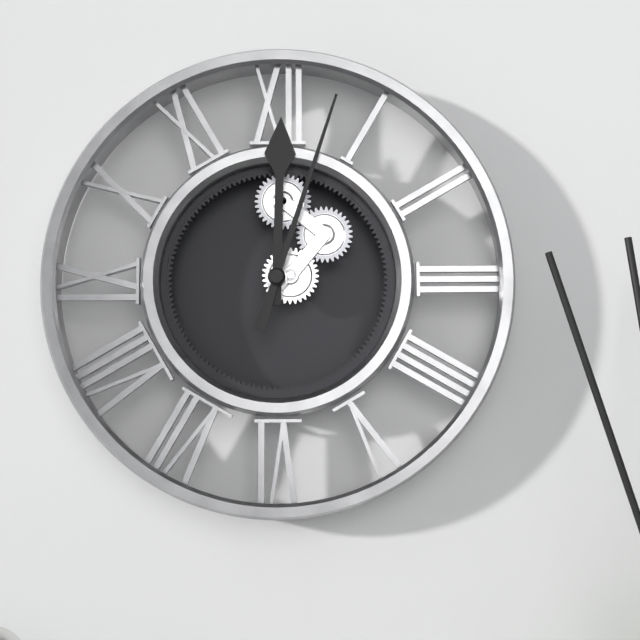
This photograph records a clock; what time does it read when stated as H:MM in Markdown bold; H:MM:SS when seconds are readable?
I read **12:03**
